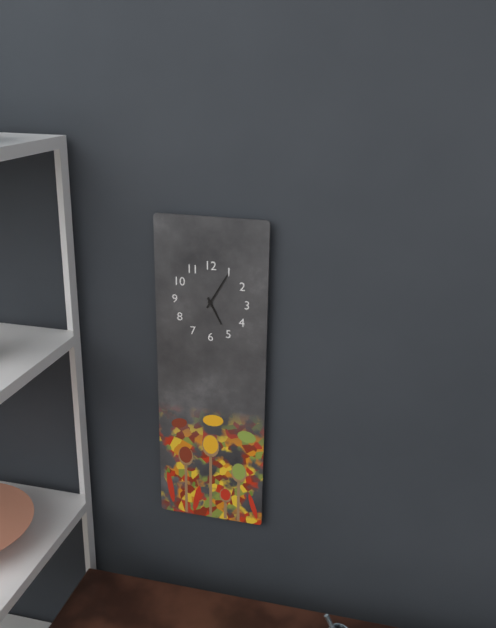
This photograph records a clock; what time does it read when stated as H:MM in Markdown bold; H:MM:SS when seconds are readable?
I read **5:05**
